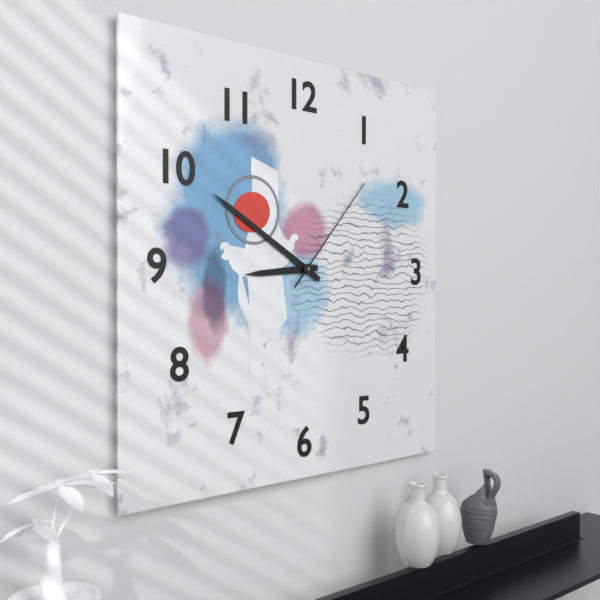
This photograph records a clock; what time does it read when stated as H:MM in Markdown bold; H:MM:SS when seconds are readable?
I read **8:50:07**
